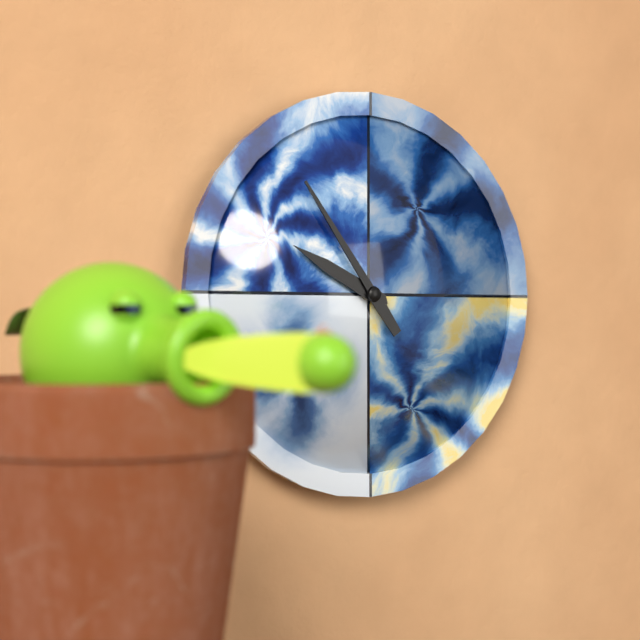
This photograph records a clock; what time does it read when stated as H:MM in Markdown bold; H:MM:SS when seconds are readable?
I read **9:54**
